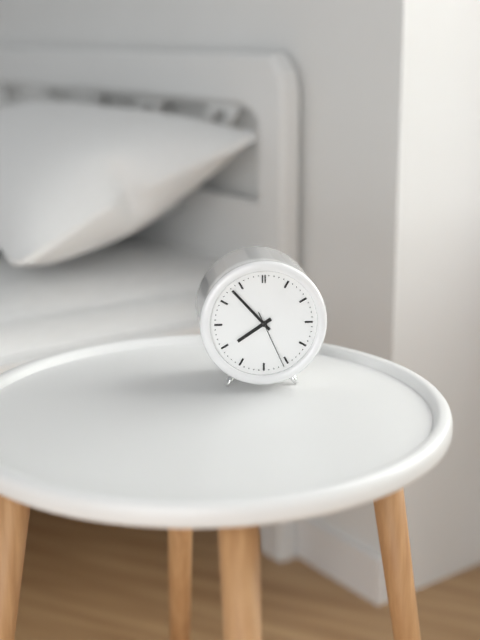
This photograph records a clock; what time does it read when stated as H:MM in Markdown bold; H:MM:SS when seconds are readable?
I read **7:53:26**
